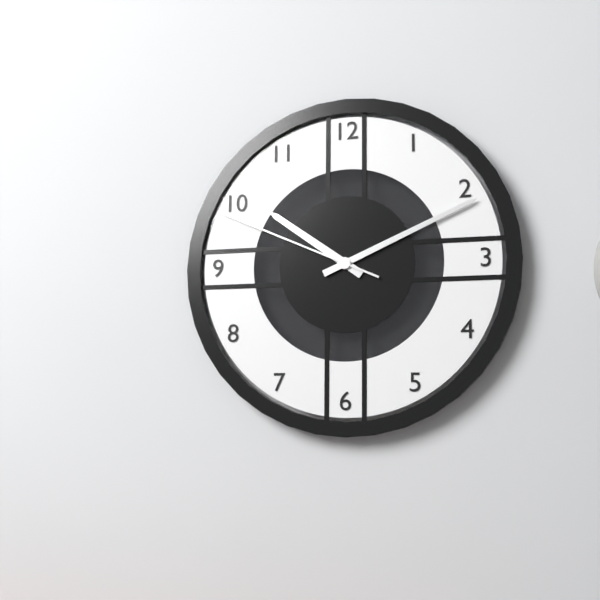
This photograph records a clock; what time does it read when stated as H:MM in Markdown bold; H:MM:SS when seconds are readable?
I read **10:11:49**
